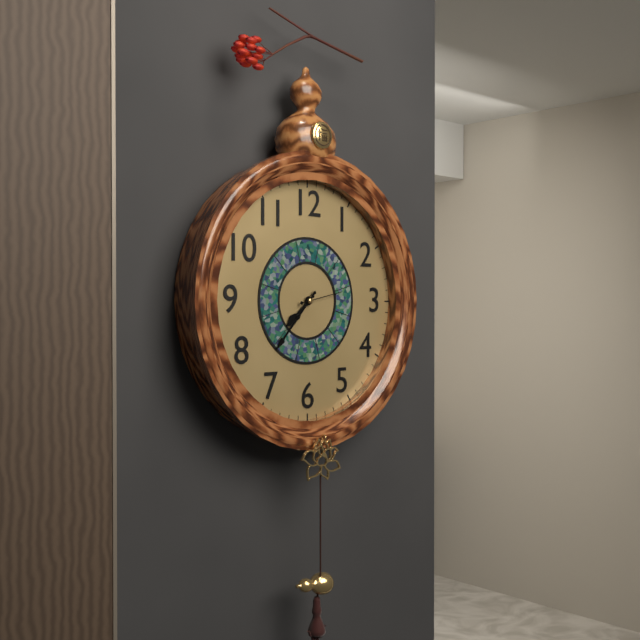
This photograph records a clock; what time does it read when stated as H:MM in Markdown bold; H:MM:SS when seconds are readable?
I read **7:37:13**
